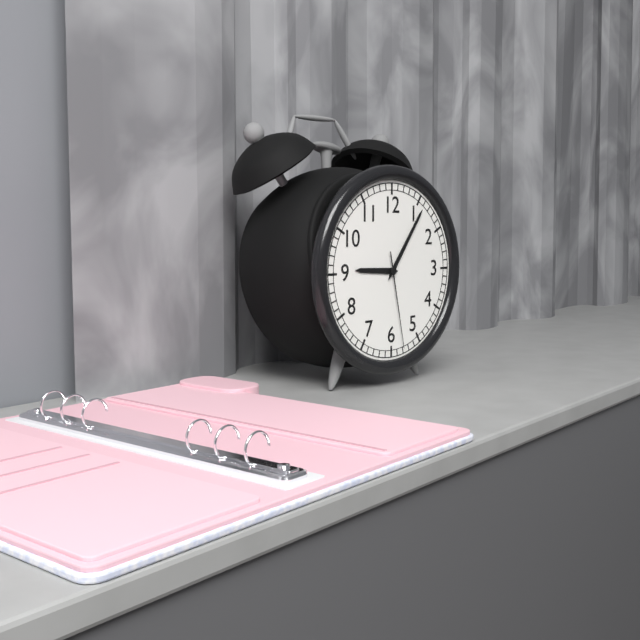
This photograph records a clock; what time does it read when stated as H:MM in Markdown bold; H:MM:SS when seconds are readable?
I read **9:06:28**
